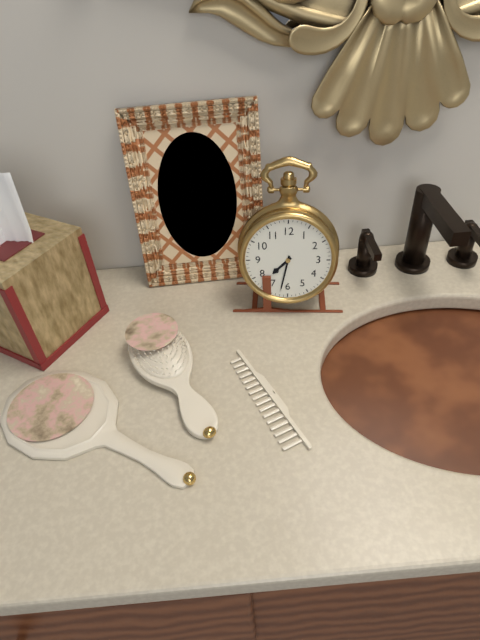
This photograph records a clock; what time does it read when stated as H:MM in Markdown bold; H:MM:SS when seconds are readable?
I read **7:32**
